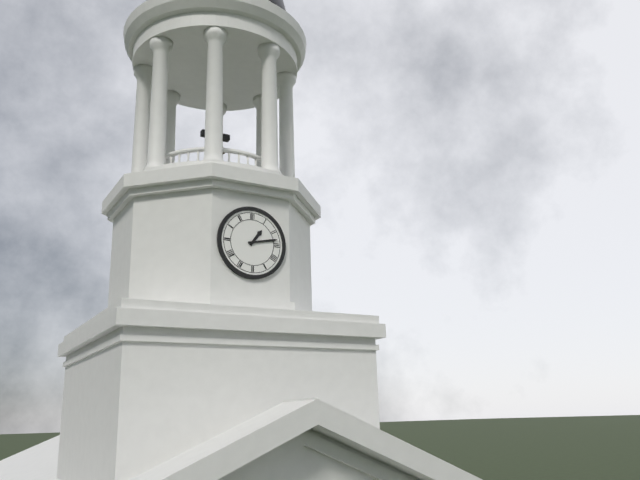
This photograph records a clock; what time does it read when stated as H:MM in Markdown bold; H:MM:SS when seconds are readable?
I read **1:13**
